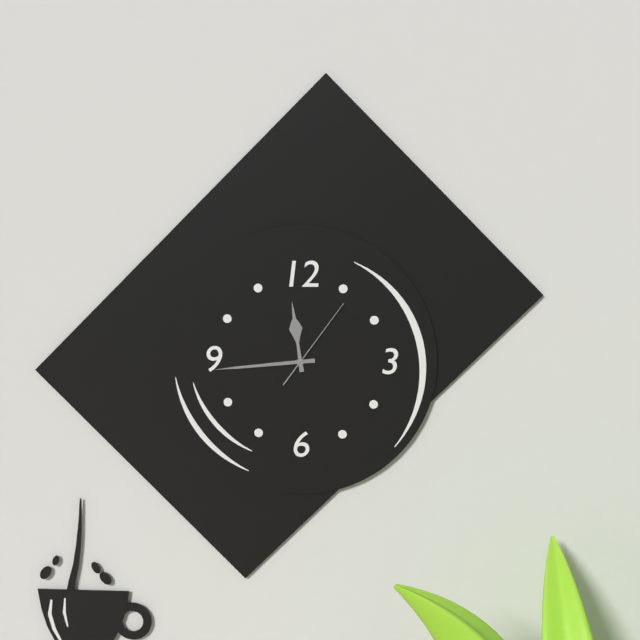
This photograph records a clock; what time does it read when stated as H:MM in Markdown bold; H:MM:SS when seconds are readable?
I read **11:44:06**
